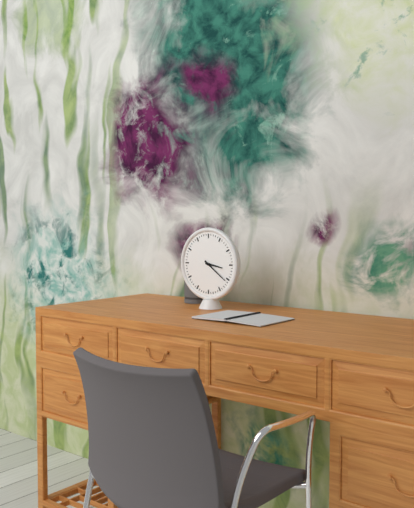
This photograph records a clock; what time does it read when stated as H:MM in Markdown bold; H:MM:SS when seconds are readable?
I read **3:21**
